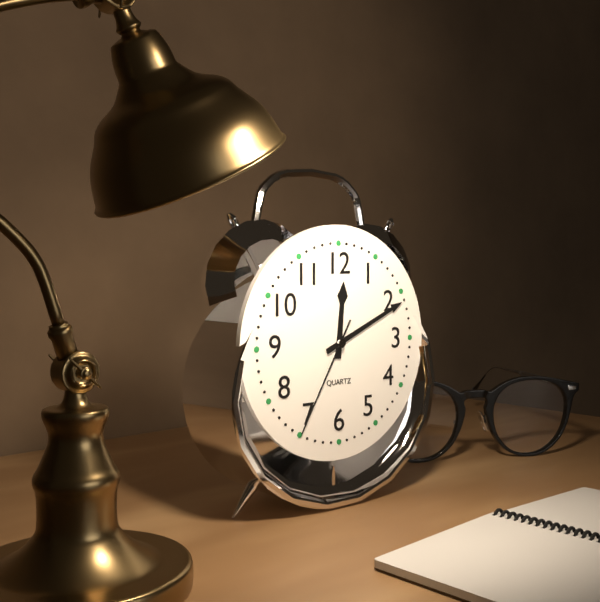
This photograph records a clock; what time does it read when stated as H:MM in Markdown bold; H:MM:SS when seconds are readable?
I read **12:11:35**
